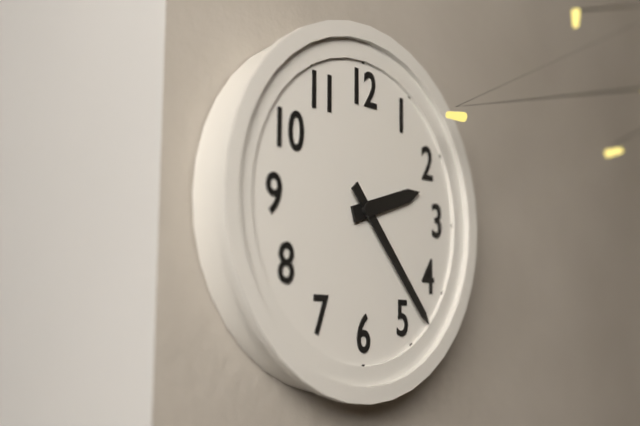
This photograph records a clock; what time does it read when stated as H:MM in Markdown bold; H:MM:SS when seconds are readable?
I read **2:23**
